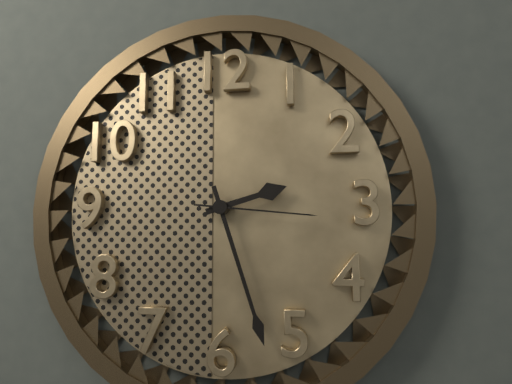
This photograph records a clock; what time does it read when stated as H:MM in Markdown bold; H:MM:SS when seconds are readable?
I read **2:27:16**
